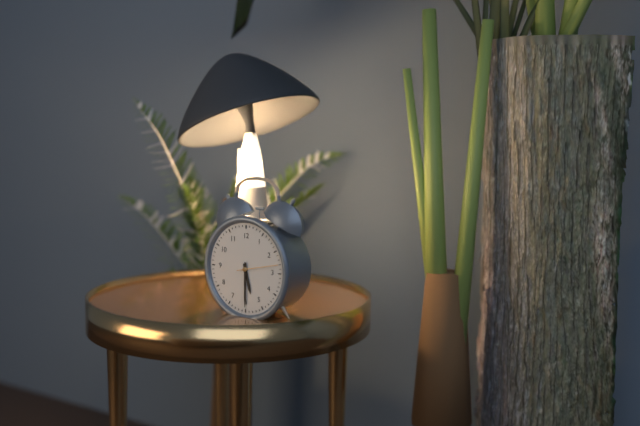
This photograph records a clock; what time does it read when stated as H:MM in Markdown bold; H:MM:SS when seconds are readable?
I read **5:30**
